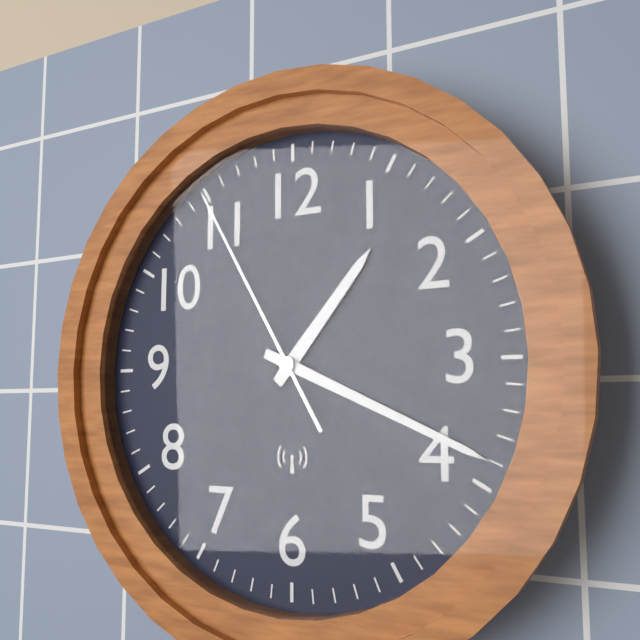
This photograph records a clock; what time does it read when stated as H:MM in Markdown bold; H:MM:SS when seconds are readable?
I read **1:19:55**
